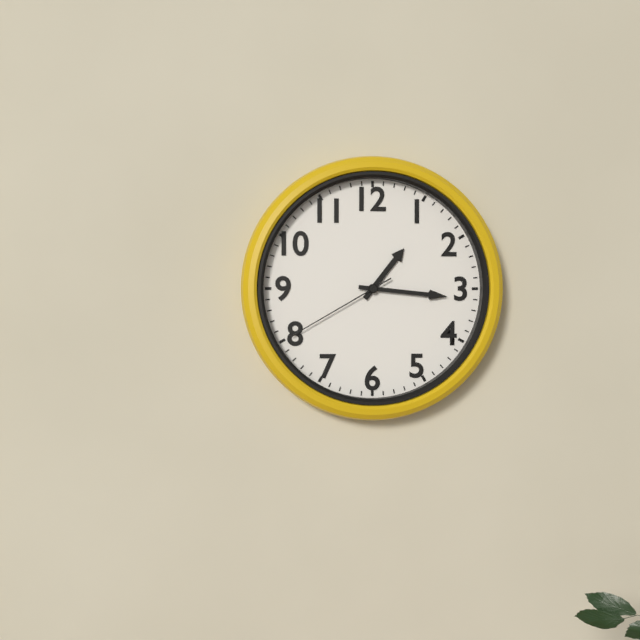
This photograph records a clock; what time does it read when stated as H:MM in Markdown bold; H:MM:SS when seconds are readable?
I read **1:16:40**
